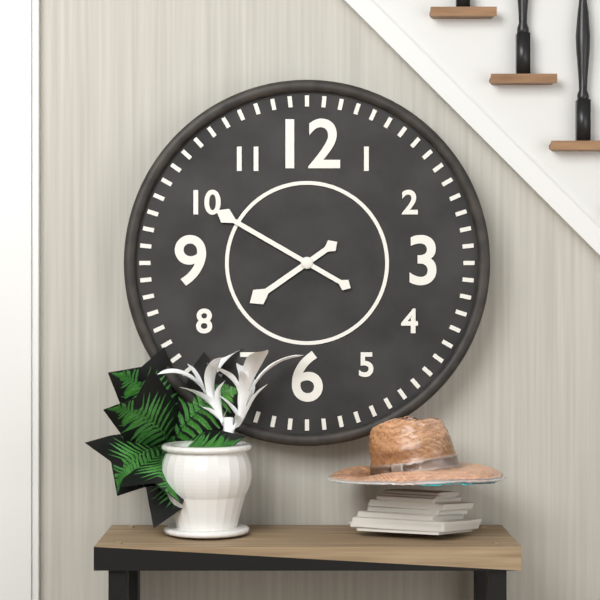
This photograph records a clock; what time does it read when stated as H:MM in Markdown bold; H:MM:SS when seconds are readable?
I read **7:50**
